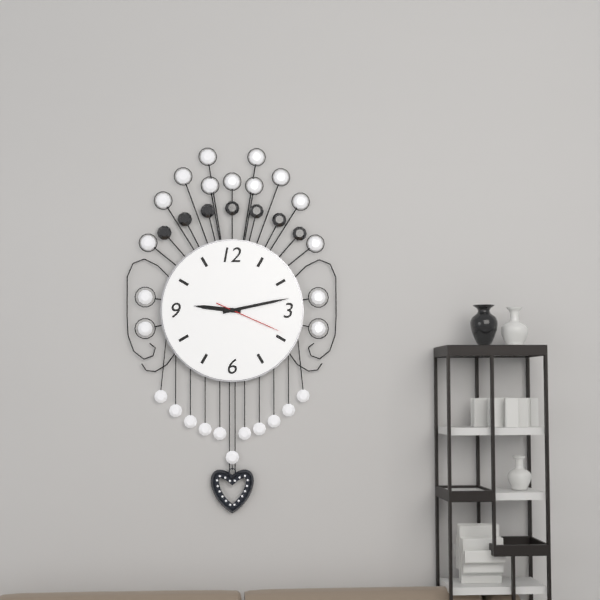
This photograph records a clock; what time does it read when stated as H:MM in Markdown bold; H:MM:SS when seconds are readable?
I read **9:13:19**
